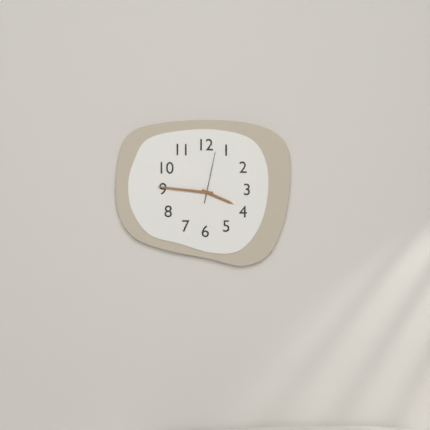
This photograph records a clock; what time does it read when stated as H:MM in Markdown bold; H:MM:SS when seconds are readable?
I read **3:46:02**
